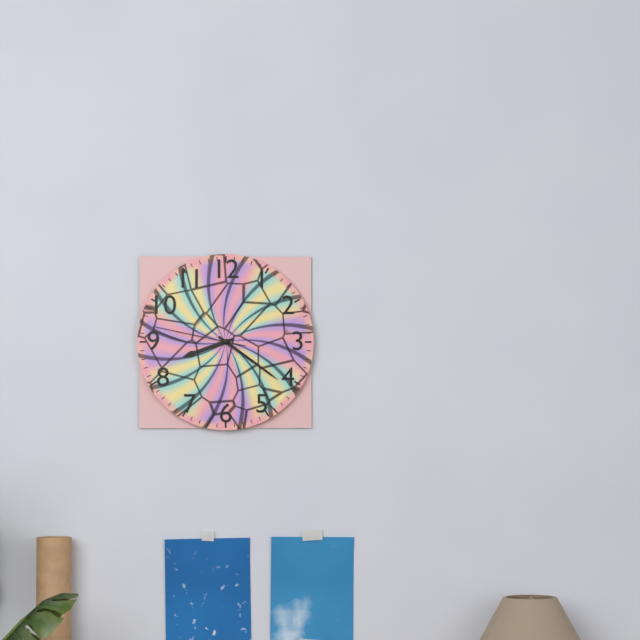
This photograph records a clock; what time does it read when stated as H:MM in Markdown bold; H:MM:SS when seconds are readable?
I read **8:21:47**
